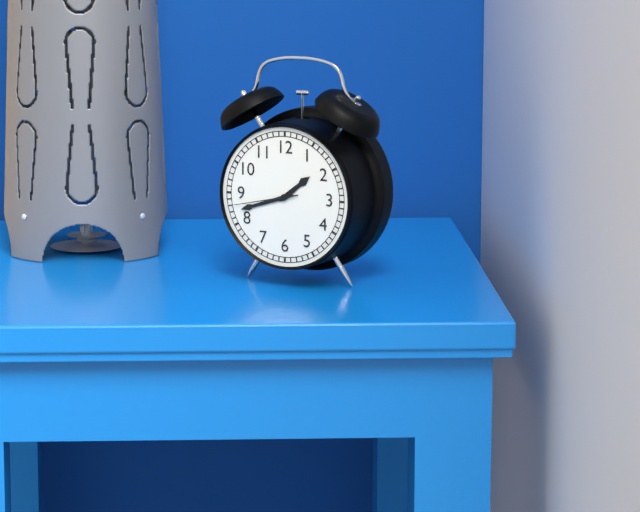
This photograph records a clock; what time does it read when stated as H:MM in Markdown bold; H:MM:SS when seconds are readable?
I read **1:42:43**
